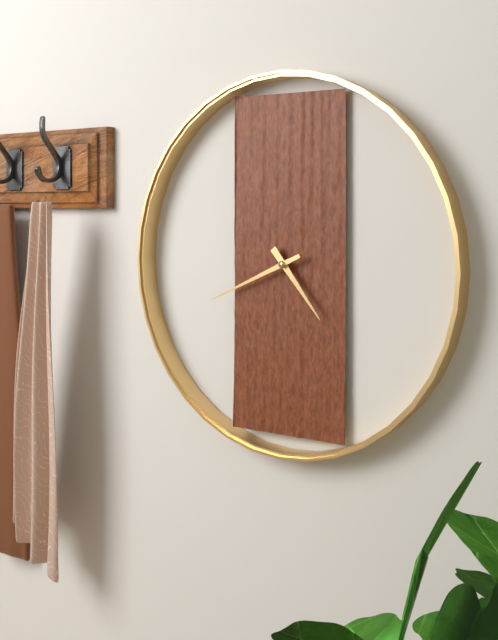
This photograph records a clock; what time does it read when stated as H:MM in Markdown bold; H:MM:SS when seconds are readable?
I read **4:41**
